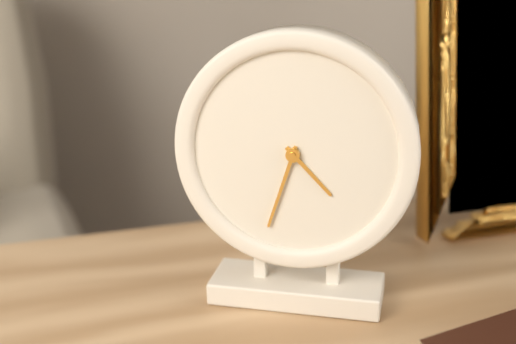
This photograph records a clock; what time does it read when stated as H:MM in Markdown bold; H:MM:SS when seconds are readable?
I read **4:33**
